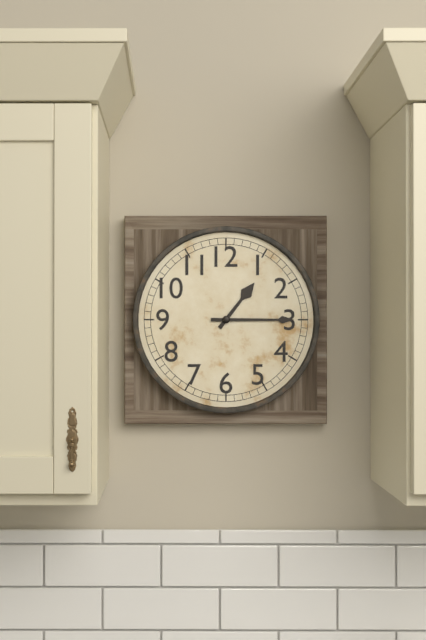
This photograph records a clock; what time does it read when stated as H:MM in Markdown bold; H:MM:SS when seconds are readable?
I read **1:15**
